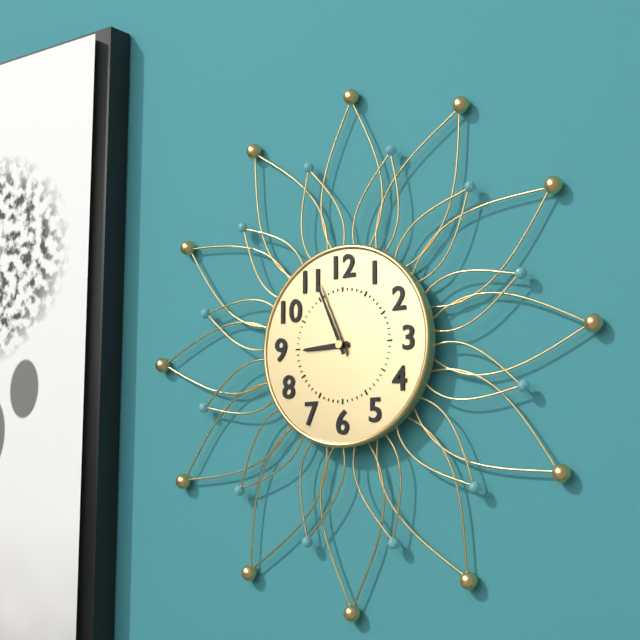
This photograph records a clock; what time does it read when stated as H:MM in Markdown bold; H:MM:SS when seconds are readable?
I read **8:56**
